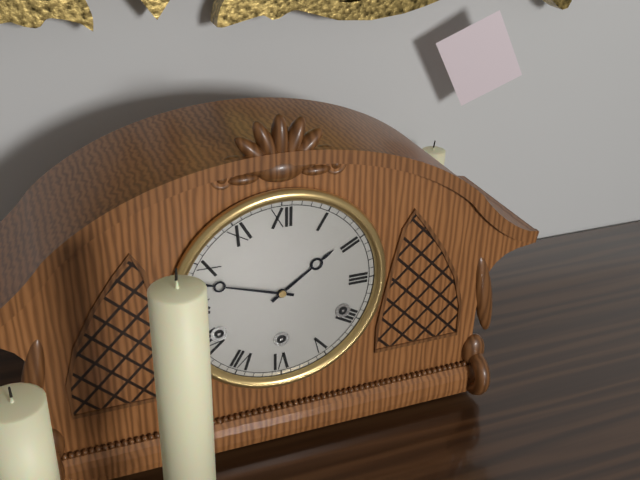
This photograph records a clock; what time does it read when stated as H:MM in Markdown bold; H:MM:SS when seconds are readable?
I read **1:48**
